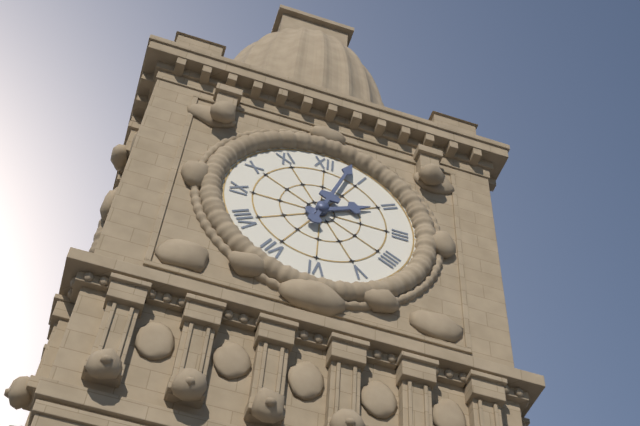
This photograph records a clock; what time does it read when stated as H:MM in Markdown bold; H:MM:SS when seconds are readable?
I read **2:03**
